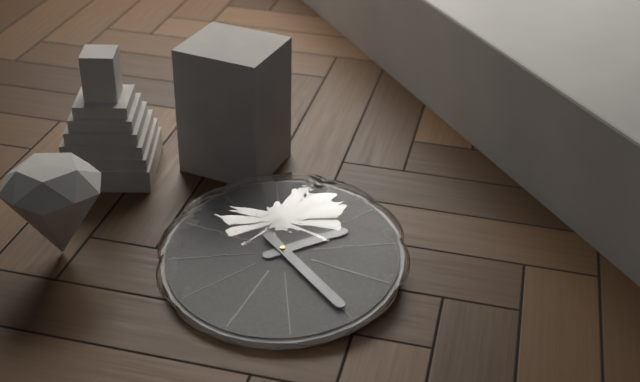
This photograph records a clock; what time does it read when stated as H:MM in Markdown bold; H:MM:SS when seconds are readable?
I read **1:20**
